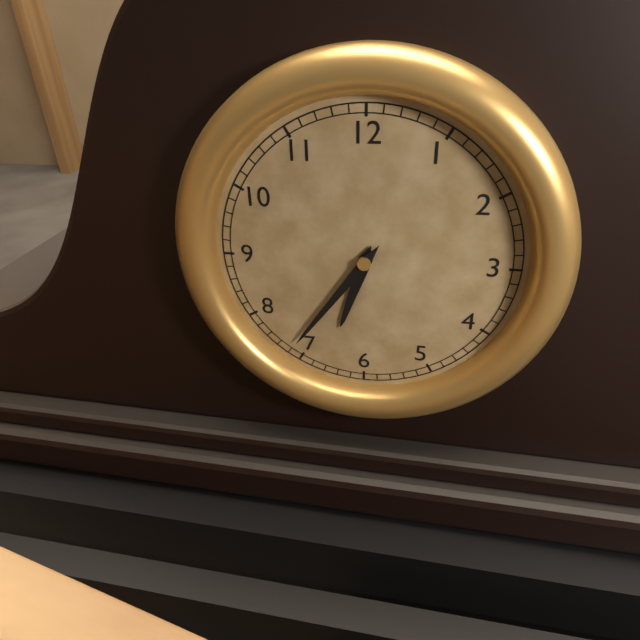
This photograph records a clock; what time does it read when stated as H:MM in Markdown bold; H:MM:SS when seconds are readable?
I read **6:36**
